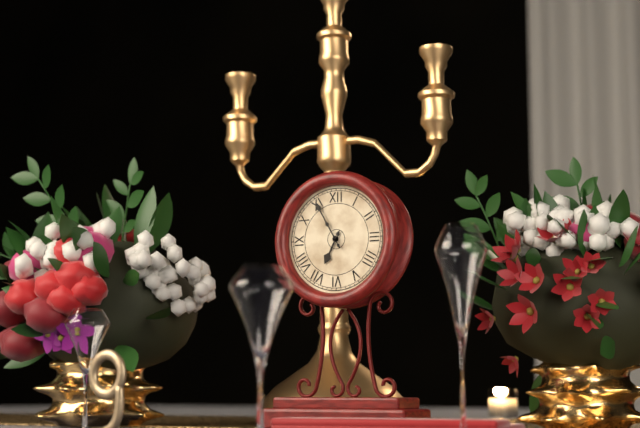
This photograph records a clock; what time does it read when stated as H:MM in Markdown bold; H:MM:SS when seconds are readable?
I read **6:55**
